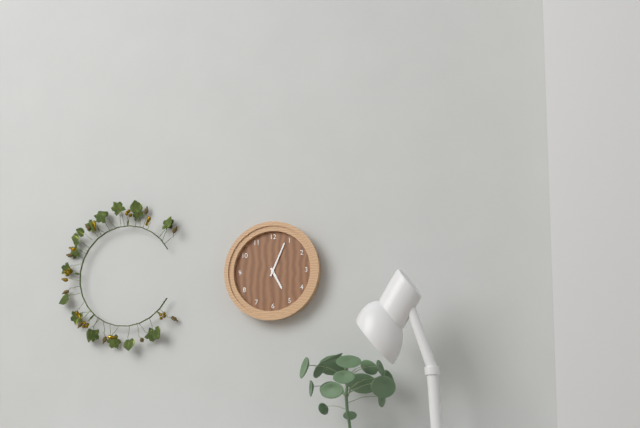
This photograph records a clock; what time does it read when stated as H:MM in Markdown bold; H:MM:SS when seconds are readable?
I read **5:04**
